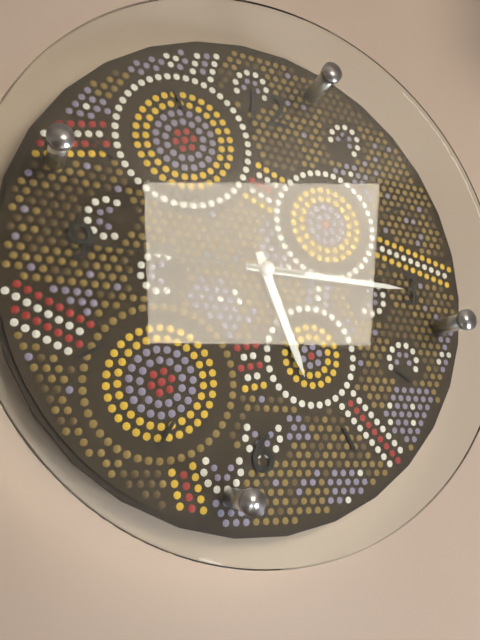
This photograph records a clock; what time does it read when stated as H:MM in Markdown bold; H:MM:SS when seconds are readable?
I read **5:15:45**
